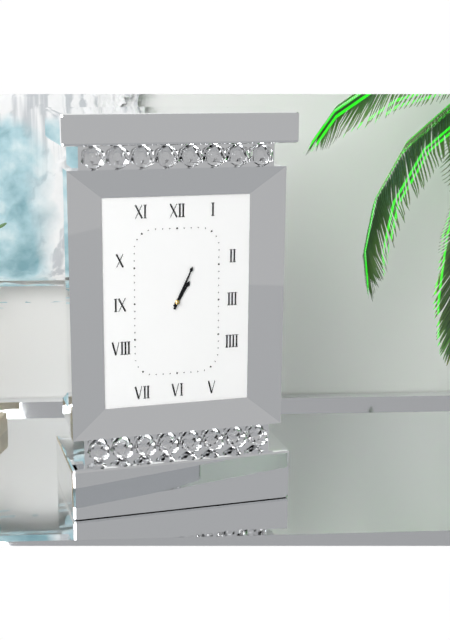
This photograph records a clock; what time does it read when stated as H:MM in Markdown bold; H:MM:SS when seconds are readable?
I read **1:04**
